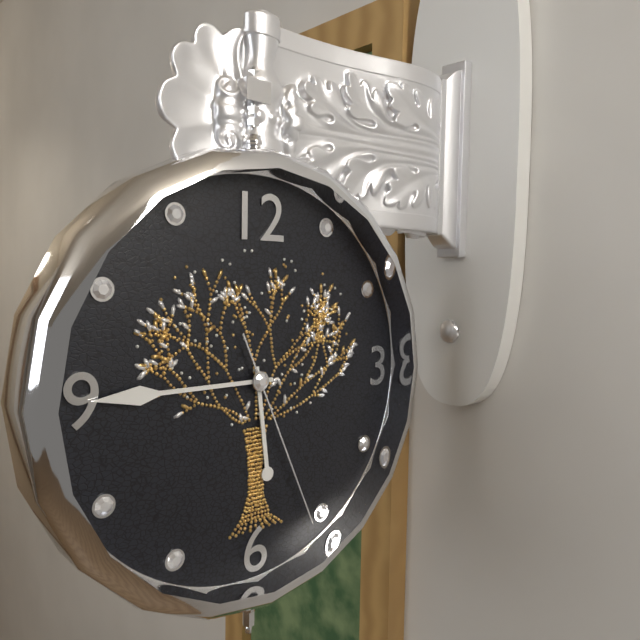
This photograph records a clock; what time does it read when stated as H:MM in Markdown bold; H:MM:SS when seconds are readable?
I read **5:45:26**
